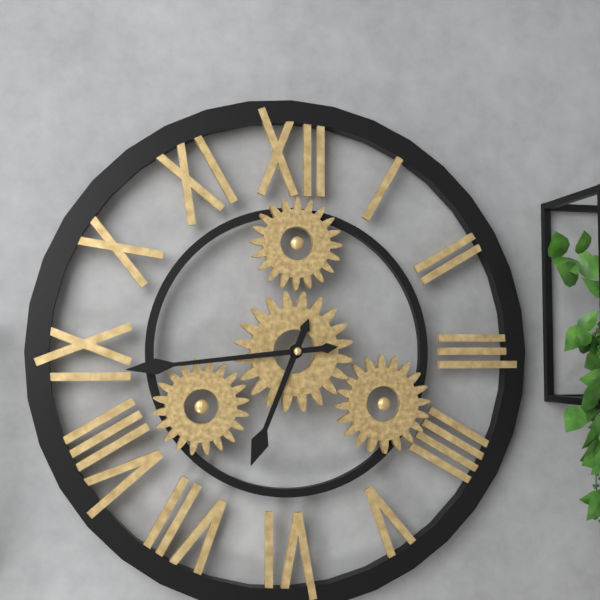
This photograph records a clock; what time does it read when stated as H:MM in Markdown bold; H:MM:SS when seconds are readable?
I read **6:44**
